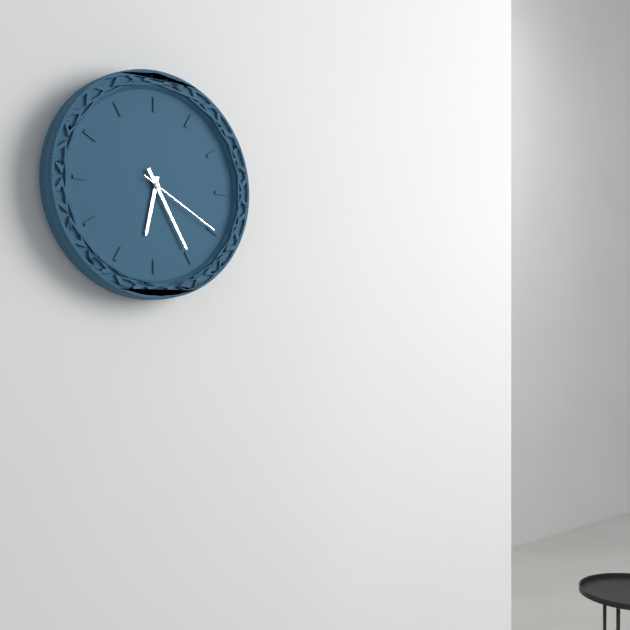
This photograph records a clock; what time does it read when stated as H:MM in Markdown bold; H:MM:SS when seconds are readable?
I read **6:25:20**
